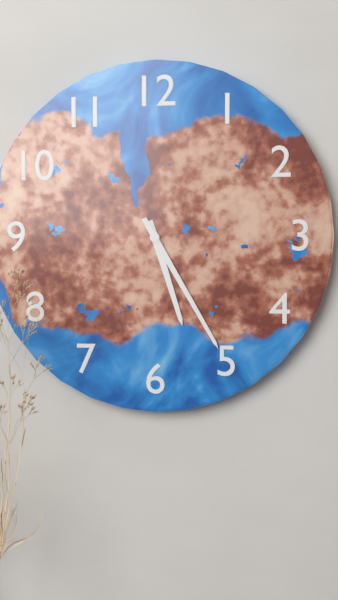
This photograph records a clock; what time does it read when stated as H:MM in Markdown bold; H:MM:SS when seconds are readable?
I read **5:25**
